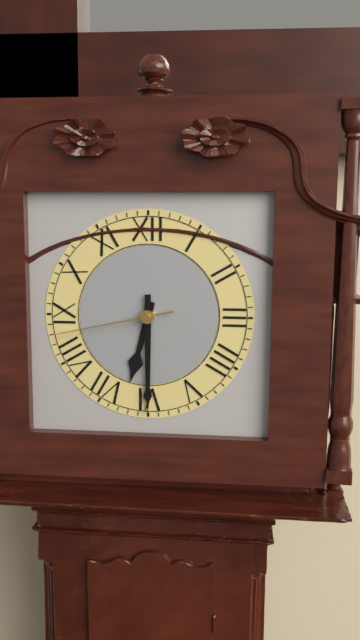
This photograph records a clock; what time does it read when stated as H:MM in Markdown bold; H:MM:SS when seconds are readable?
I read **6:30:43**
